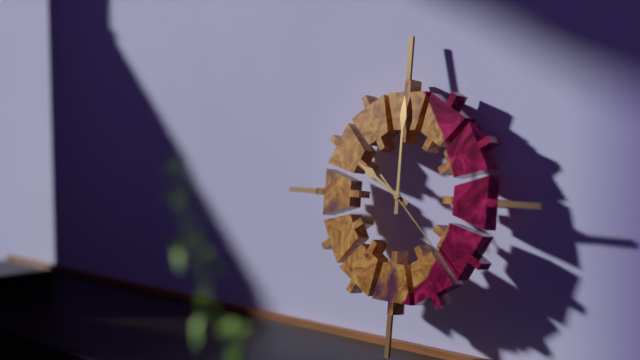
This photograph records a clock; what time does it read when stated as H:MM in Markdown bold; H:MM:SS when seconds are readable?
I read **10:00:22**
